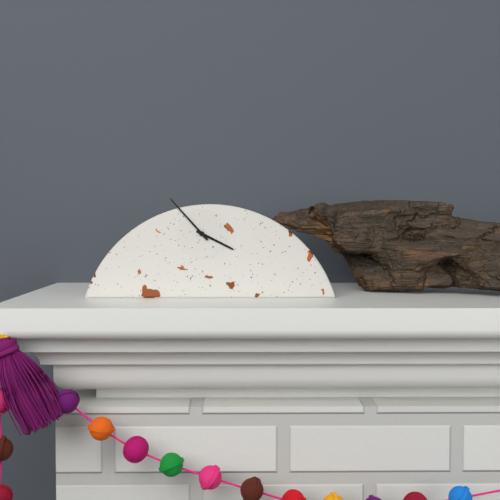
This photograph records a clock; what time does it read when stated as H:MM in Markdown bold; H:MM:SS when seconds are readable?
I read **3:53**
